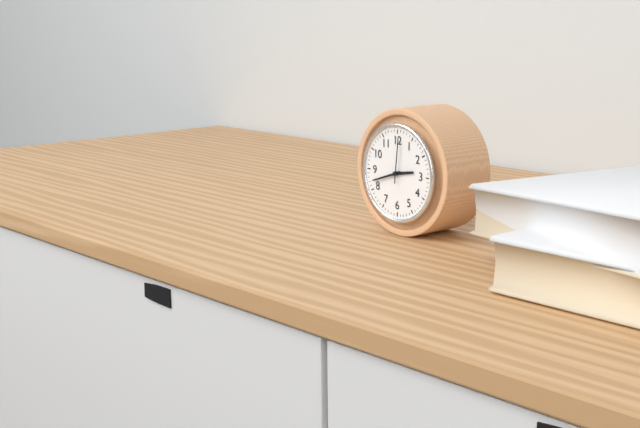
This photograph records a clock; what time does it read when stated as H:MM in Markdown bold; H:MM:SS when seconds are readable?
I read **2:42**
